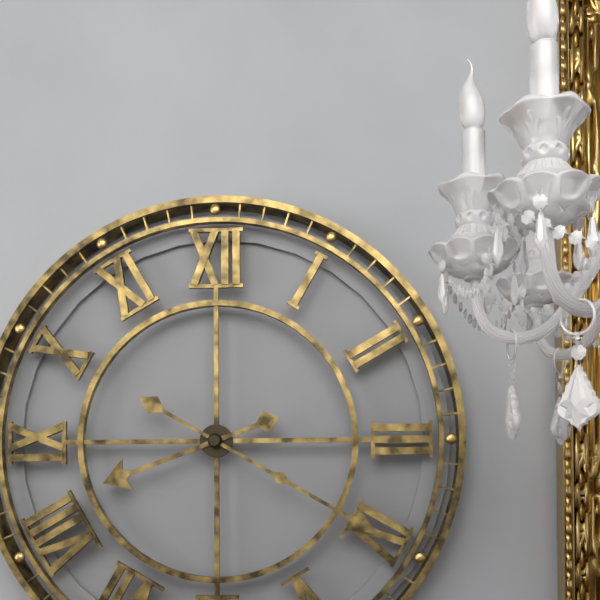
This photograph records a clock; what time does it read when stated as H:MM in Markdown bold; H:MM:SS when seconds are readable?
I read **8:20**
